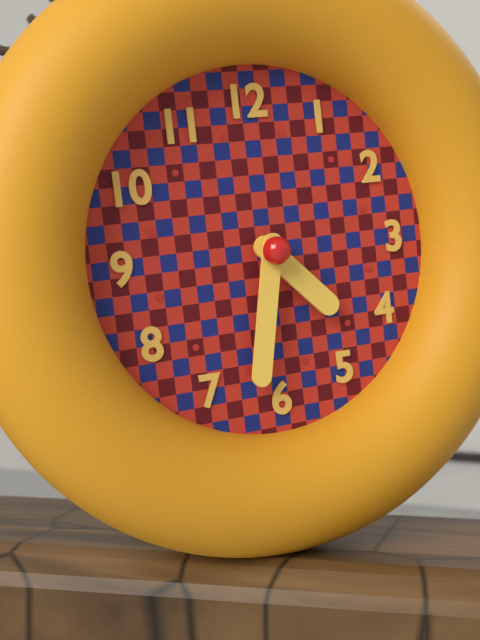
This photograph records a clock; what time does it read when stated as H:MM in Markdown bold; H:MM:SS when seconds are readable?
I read **4:32**
